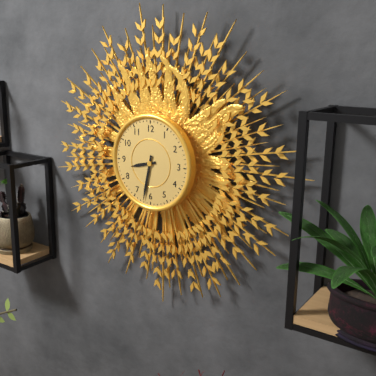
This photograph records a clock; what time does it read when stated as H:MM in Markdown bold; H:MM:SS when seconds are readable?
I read **8:32**
